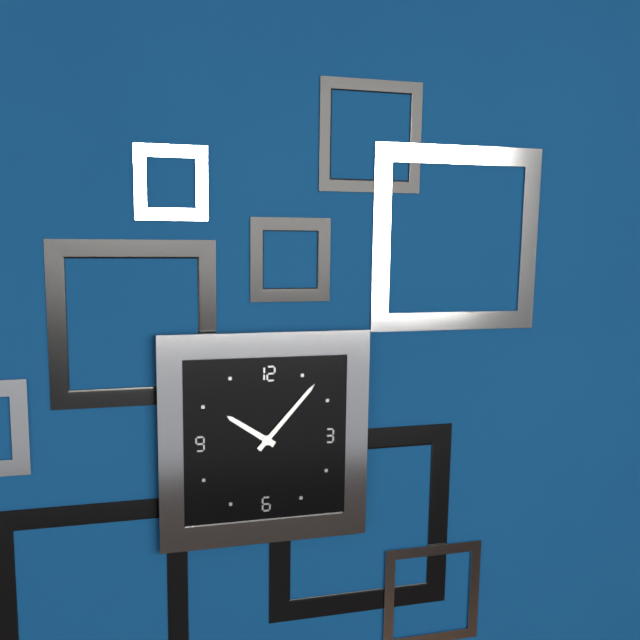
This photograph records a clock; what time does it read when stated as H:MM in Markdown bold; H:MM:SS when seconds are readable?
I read **10:07**
